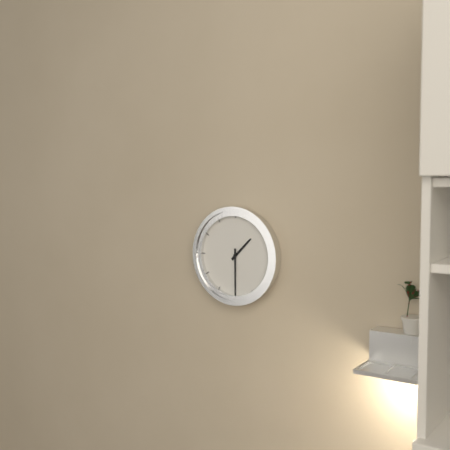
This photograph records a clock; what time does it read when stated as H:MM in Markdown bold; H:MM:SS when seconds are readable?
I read **1:30**
